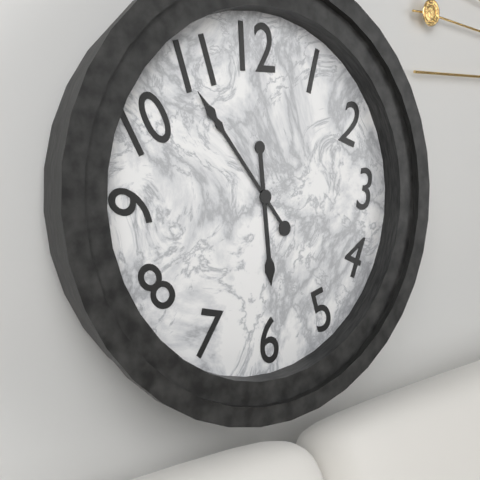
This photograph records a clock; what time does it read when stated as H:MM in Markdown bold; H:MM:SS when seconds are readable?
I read **5:54**
